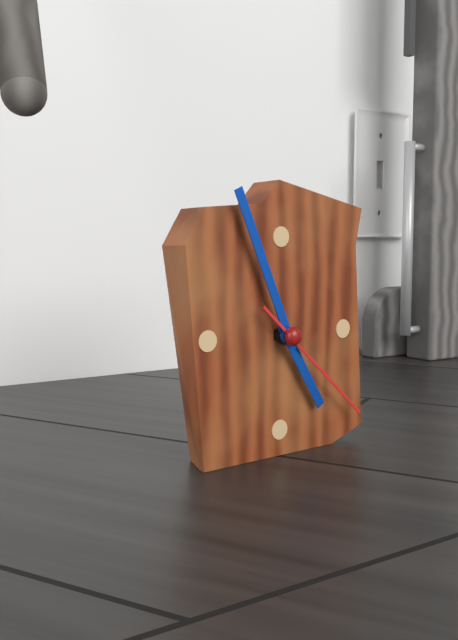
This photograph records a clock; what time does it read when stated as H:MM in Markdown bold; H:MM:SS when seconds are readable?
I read **4:56:22**
